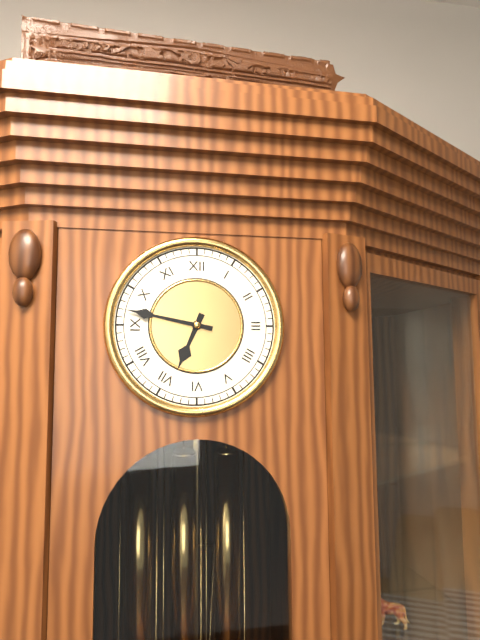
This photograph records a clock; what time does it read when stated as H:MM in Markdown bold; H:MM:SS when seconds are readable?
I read **6:47**
